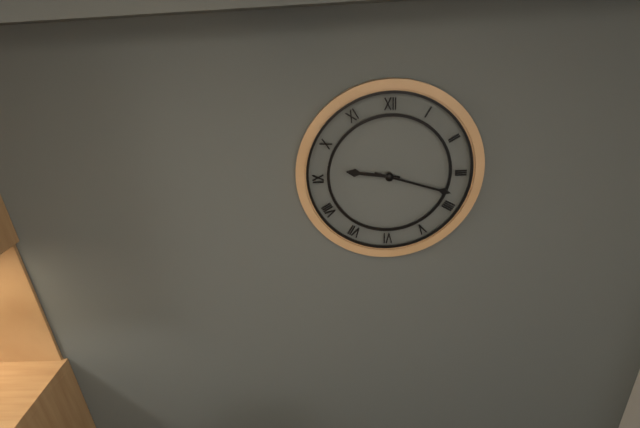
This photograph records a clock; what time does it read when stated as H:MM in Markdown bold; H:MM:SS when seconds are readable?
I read **9:18**
